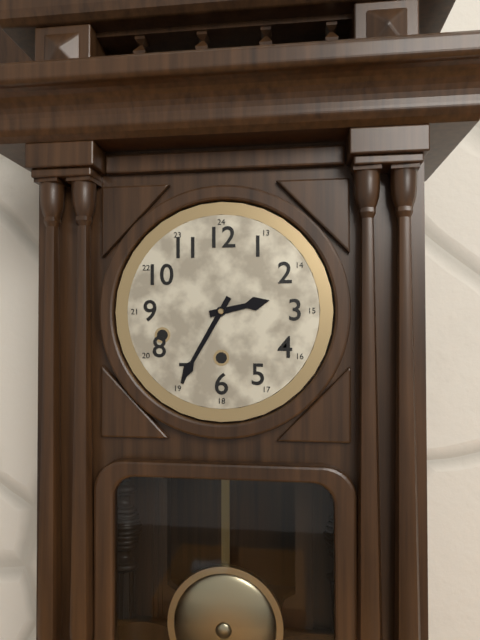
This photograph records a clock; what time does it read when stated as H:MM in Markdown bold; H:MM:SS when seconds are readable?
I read **2:35**
